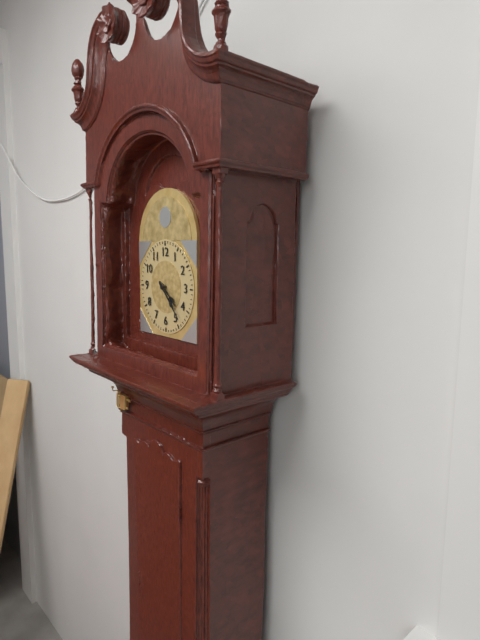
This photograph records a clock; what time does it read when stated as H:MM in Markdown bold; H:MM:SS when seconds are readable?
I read **4:23**
